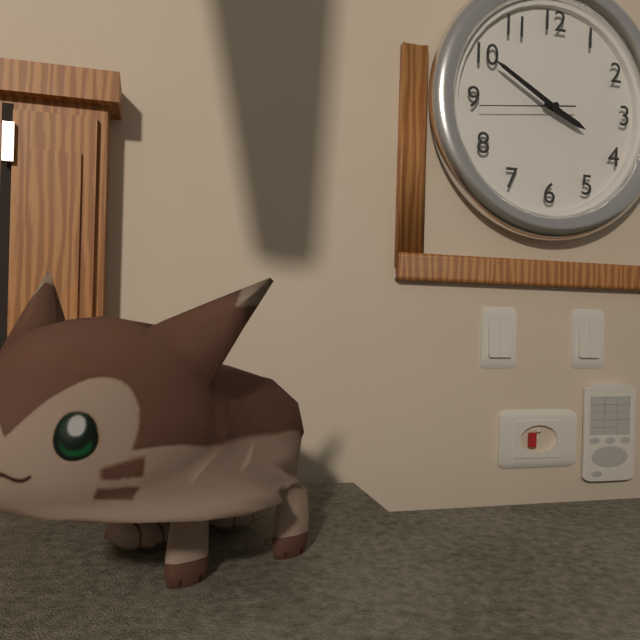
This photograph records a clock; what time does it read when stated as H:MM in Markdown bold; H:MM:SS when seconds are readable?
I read **3:50:44**
